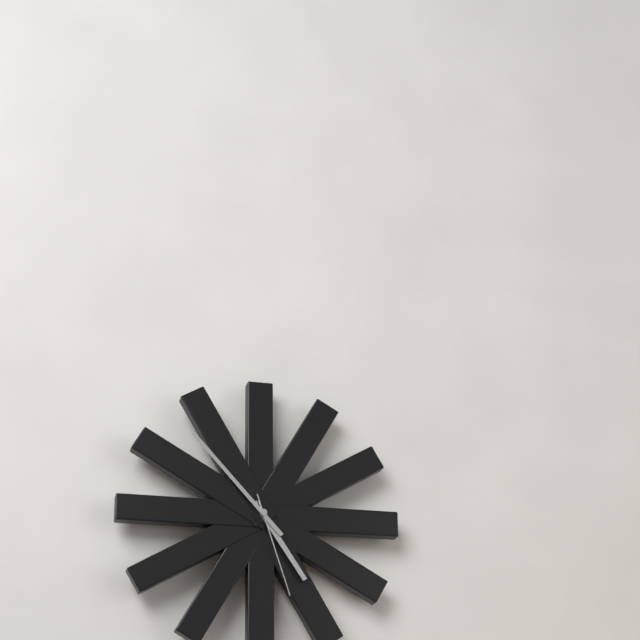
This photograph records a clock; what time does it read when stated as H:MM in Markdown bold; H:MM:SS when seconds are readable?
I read **4:53:27**
